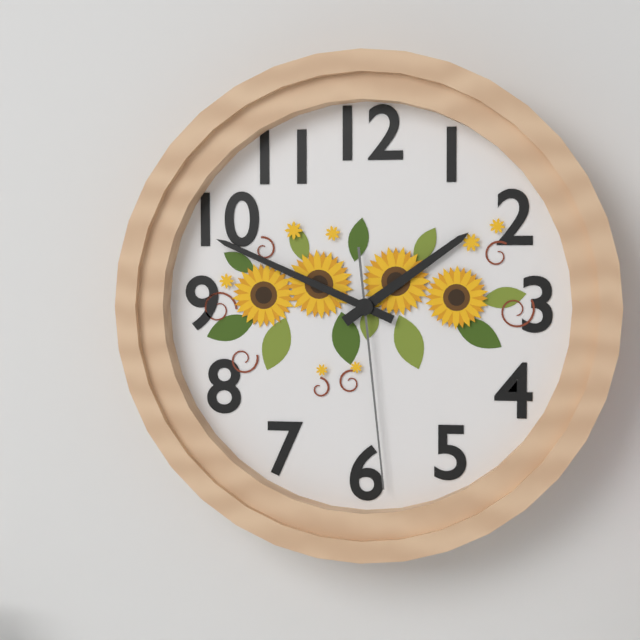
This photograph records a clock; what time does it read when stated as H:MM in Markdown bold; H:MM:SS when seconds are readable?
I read **1:49:29**
